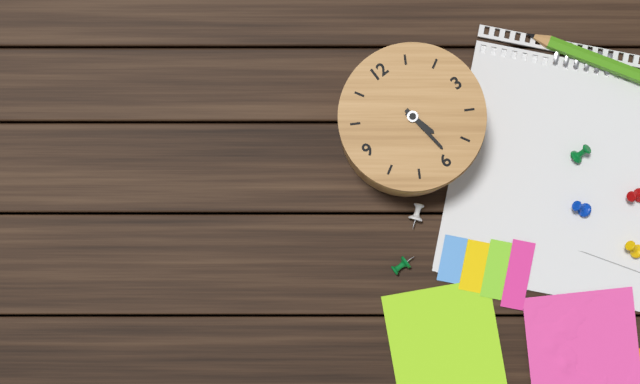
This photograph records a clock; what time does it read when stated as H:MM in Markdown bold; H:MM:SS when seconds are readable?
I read **5:29**
